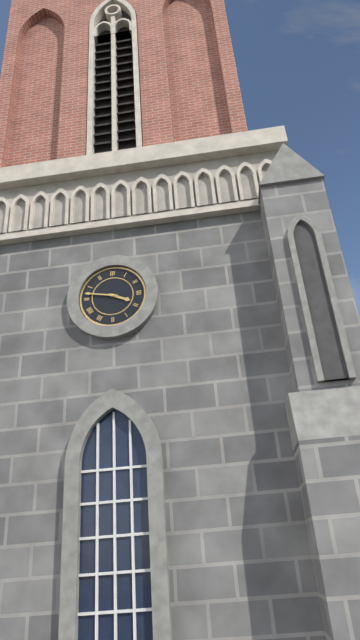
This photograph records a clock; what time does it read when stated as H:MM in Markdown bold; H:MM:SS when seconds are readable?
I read **3:47**
